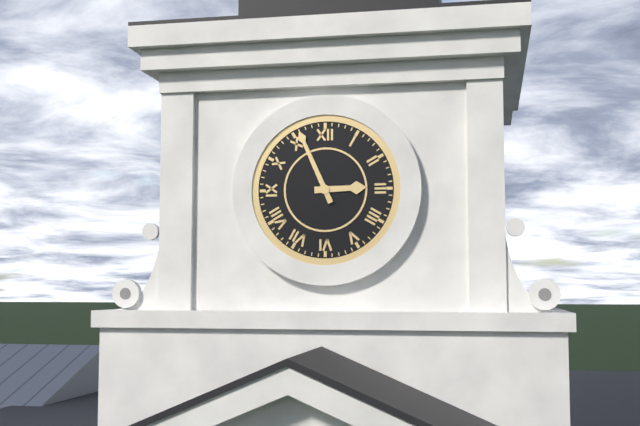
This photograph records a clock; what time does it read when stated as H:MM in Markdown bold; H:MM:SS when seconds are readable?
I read **2:56**
